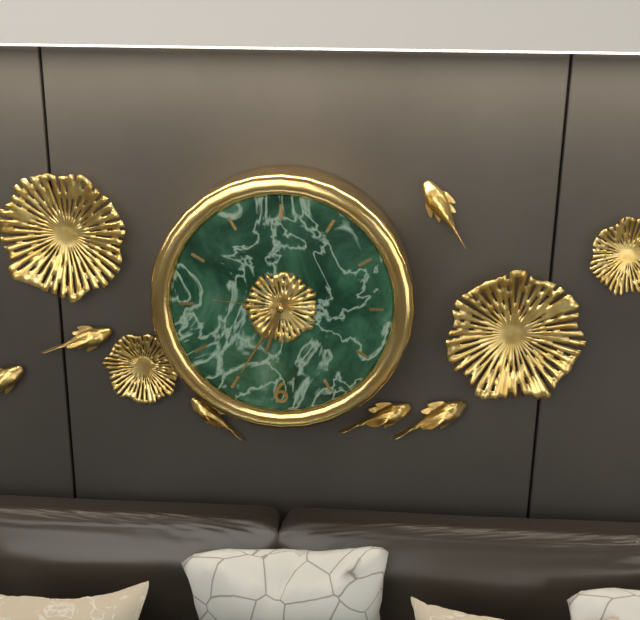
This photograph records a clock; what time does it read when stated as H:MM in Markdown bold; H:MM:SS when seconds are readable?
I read **6:35:46**
